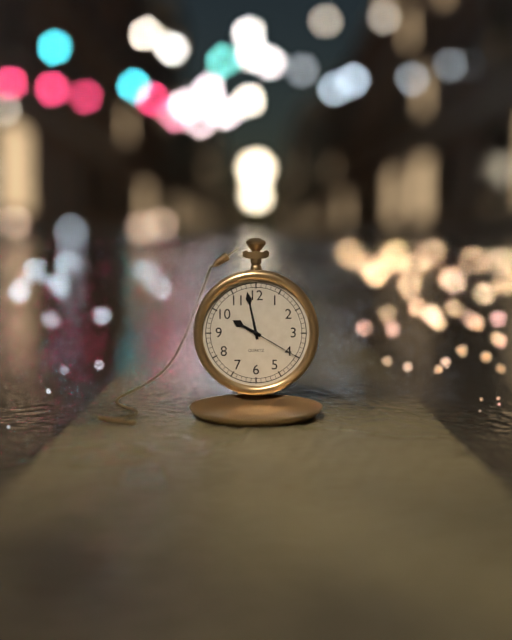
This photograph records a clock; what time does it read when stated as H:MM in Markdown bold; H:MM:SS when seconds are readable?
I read **9:58:20**
